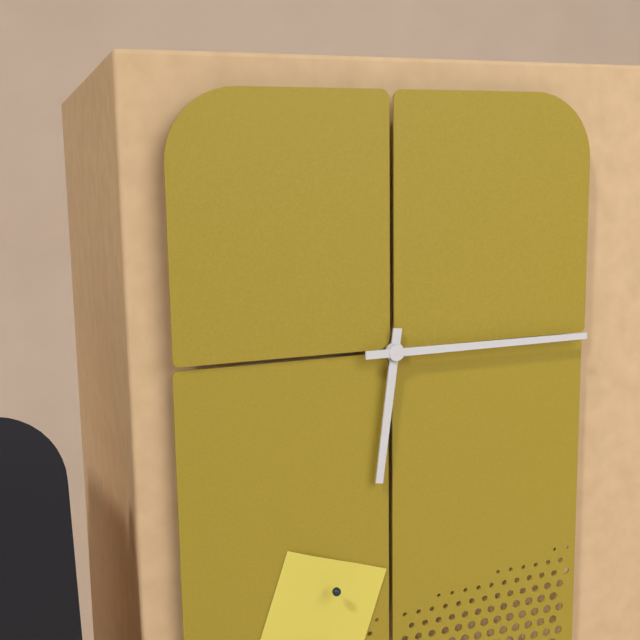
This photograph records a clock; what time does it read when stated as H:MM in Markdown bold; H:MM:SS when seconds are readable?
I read **6:15**
